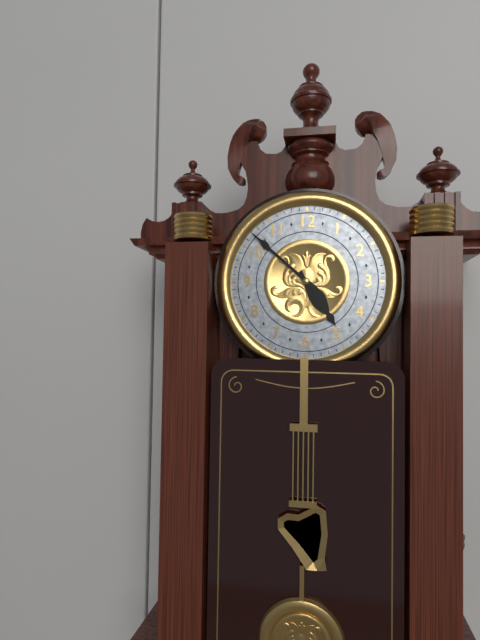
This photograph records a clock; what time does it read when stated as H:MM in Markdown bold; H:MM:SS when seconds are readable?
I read **4:52**
